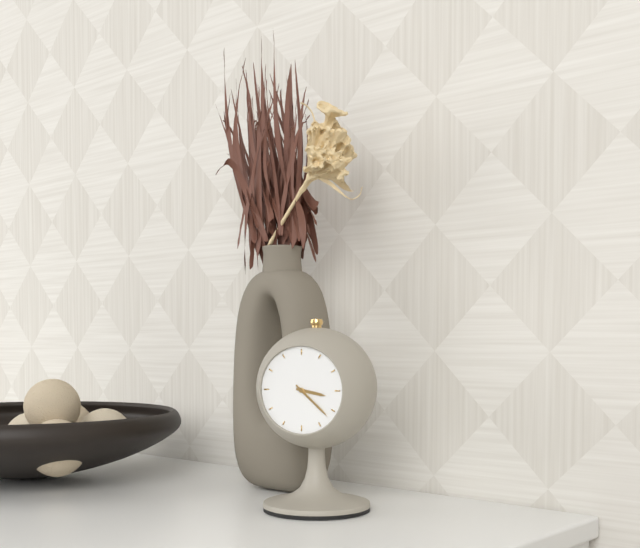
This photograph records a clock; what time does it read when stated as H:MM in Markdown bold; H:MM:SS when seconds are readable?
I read **3:22**
